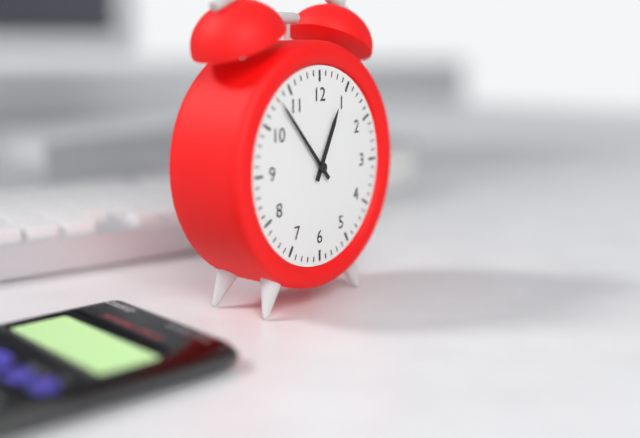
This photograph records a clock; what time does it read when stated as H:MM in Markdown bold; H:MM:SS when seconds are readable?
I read **12:53**
